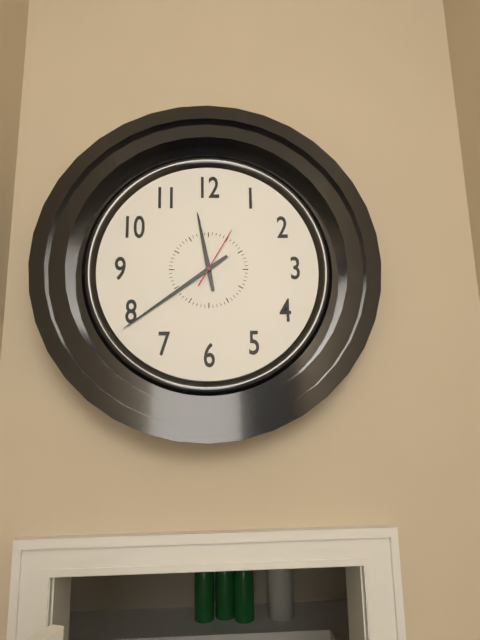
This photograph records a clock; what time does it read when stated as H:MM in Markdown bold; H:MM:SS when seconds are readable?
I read **11:39:05**
